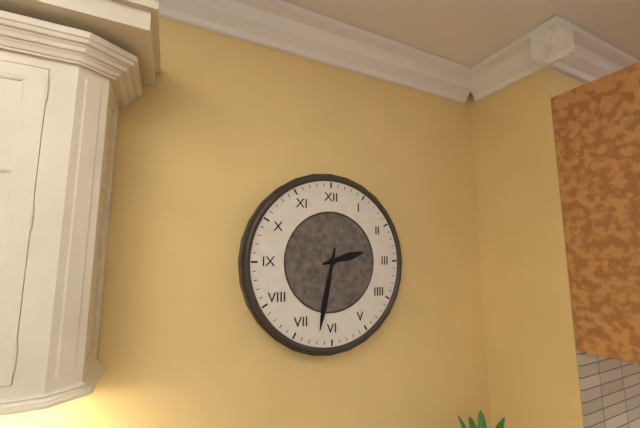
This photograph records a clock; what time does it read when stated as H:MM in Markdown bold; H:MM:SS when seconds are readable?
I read **2:32**
